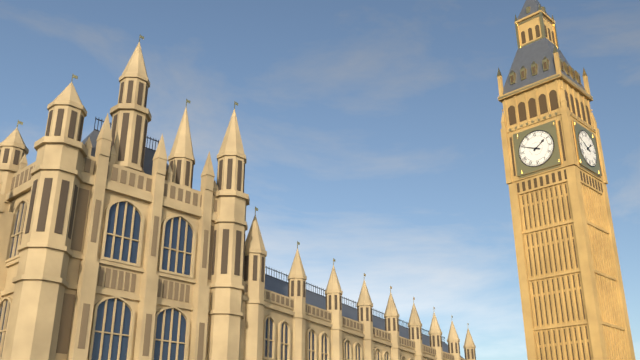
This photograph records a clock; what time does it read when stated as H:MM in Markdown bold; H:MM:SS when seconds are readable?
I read **1:49**
